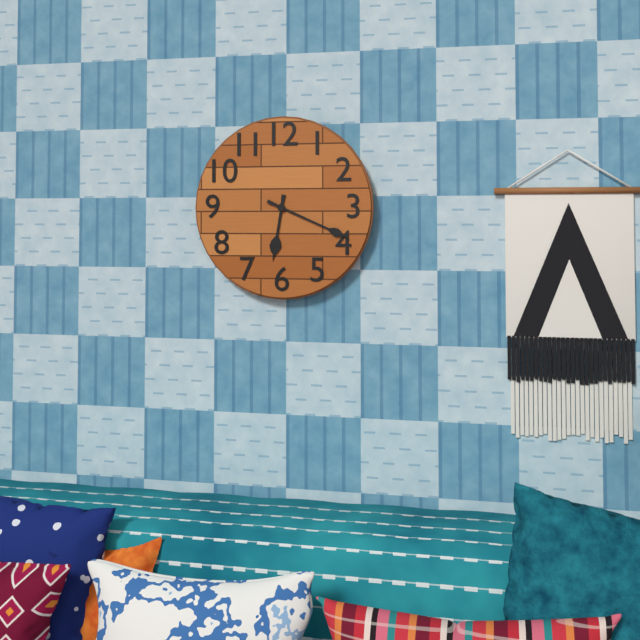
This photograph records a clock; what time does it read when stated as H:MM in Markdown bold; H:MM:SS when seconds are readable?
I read **6:19**
